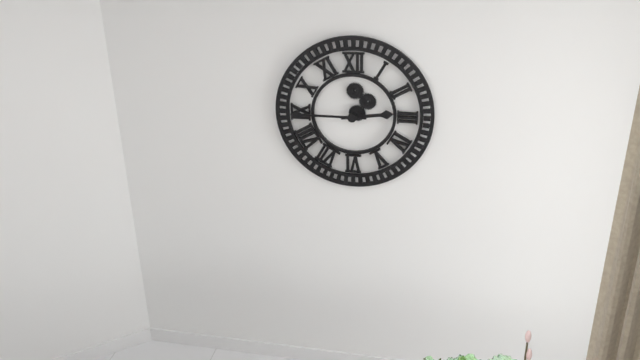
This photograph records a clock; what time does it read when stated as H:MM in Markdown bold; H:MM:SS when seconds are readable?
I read **2:45**
